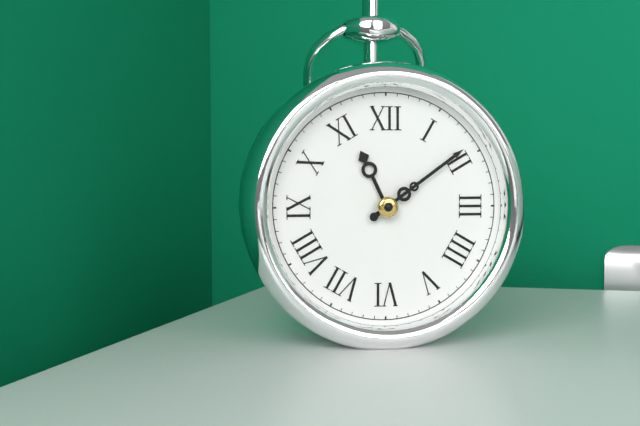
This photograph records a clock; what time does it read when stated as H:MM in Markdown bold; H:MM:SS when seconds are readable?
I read **11:09**
